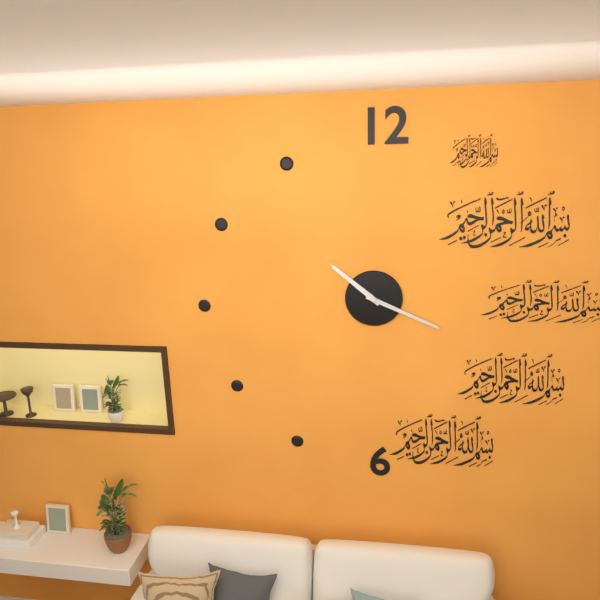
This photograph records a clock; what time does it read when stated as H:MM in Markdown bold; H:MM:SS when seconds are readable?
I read **10:19**
